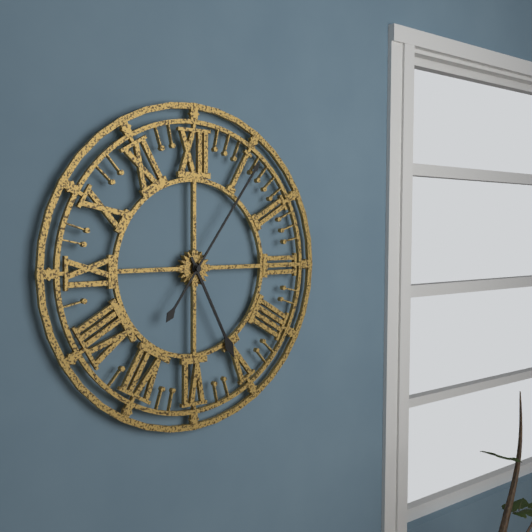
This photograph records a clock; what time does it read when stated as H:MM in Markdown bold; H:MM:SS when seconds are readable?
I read **5:06**
